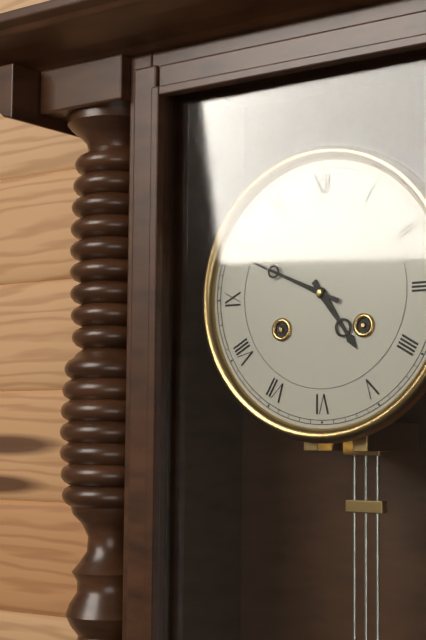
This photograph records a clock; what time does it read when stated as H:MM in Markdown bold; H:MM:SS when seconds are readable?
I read **4:49**
